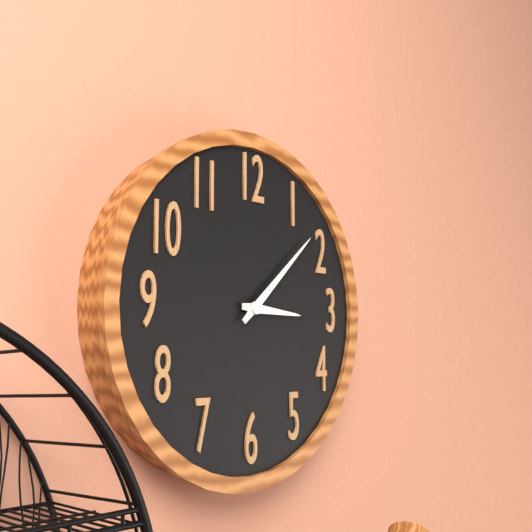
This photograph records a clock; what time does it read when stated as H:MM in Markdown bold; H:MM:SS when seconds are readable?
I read **3:08**
